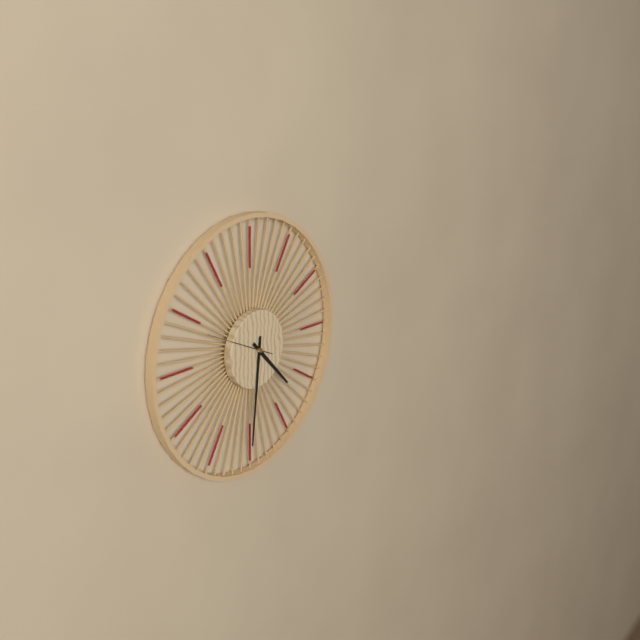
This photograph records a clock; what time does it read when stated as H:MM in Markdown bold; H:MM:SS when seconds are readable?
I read **4:31:49**
